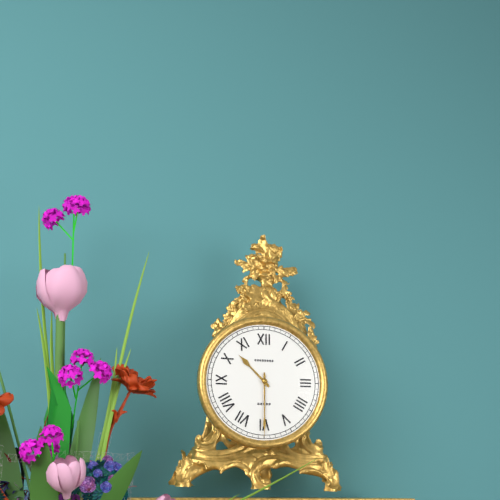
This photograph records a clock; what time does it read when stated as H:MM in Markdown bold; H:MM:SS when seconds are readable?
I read **10:30**
